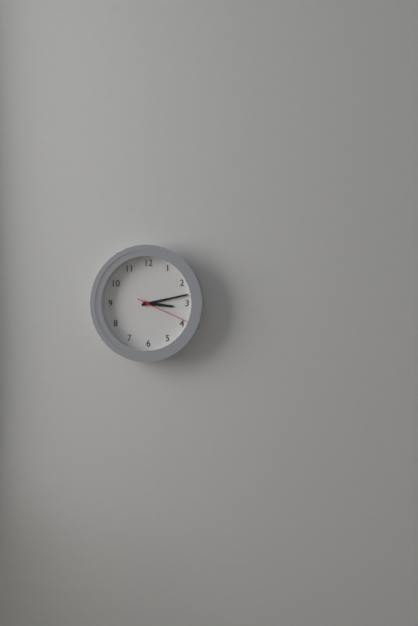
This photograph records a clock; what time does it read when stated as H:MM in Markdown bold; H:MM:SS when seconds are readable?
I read **3:13:19**
